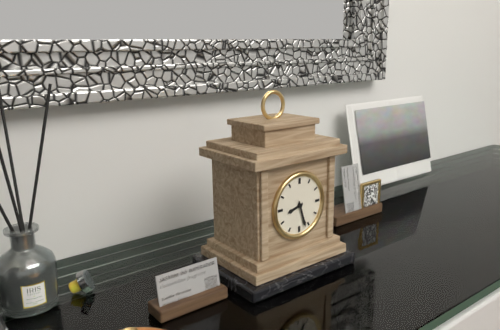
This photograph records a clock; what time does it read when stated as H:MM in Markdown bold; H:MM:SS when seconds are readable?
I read **8:27**
